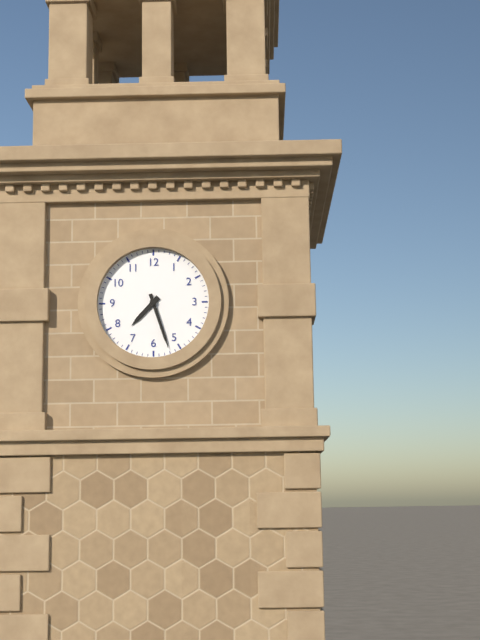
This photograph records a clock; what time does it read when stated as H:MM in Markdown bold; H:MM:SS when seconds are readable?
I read **7:27**
